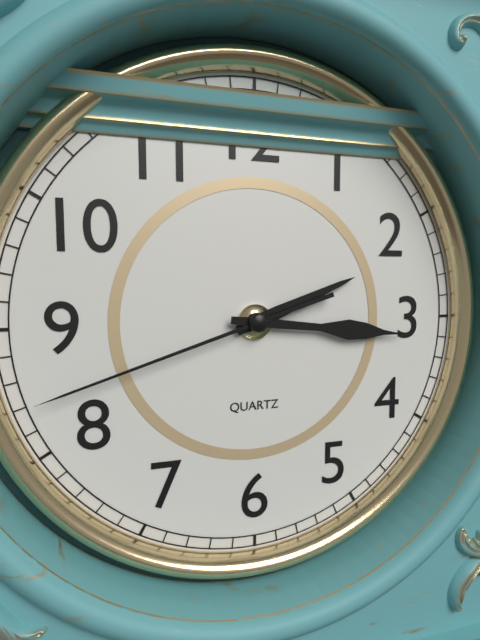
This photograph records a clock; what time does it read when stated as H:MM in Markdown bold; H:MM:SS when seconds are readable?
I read **2:16:42**
